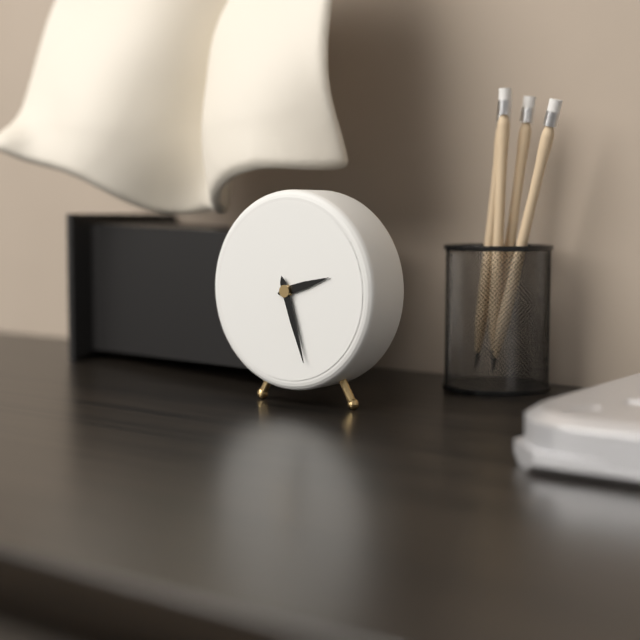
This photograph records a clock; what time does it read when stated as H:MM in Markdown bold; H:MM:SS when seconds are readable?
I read **2:27**
